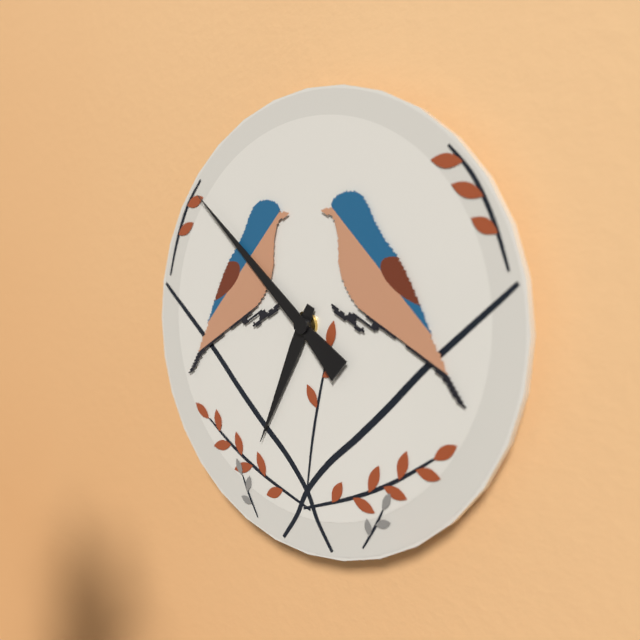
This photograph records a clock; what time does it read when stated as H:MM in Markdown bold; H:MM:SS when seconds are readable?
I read **6:52**
